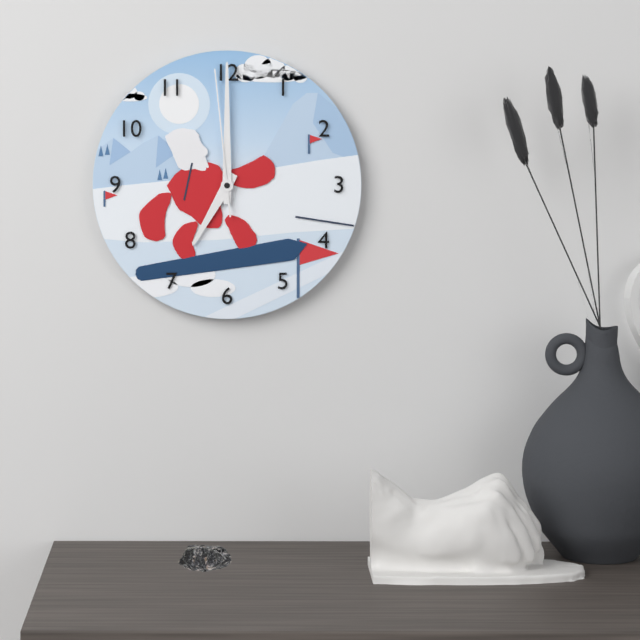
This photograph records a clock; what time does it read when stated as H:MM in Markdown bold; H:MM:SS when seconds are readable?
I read **7:00:59**
